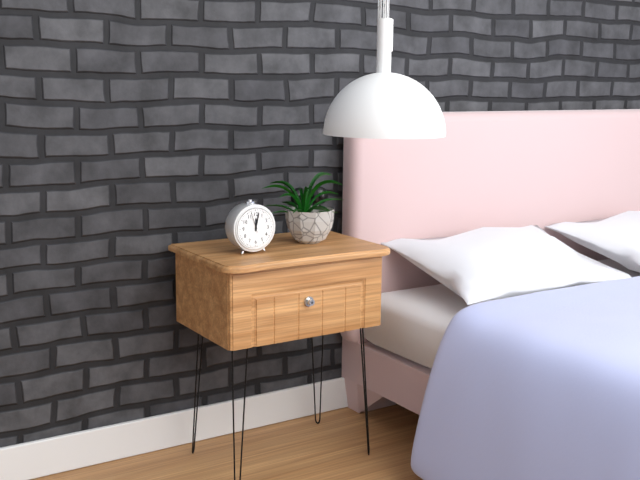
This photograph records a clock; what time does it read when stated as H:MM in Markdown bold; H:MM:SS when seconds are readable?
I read **12:02**
